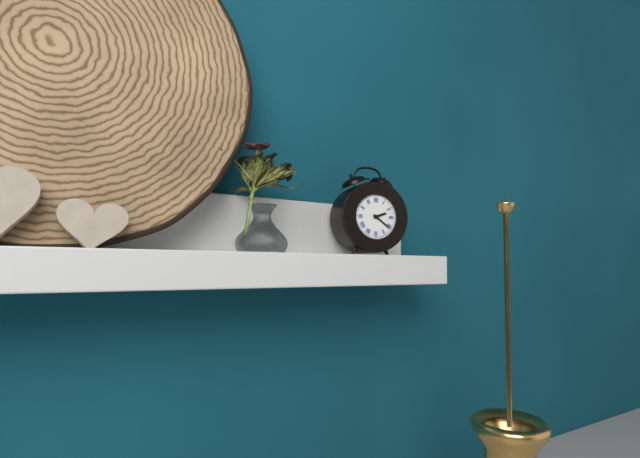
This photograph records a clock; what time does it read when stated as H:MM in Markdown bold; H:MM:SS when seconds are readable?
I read **2:21**
